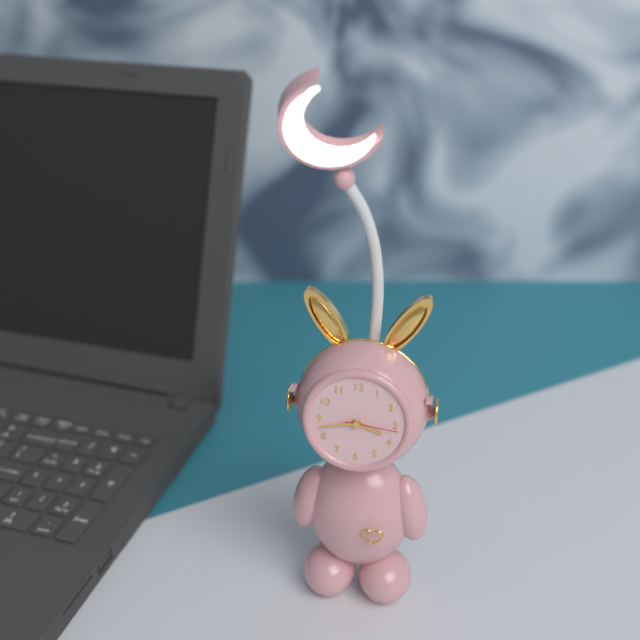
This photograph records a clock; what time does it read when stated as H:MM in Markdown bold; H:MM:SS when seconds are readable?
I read **3:43:16**
